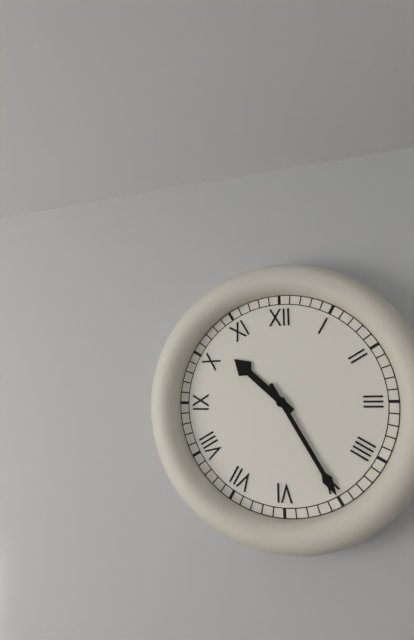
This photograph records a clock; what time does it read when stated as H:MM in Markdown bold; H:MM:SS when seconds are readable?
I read **10:25**
